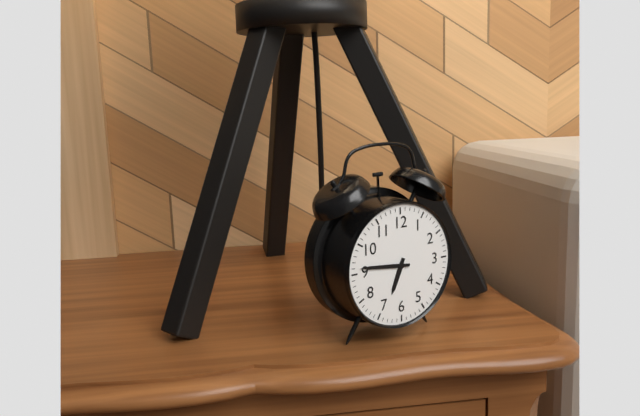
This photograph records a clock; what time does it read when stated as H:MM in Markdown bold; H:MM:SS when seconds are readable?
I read **6:46**
